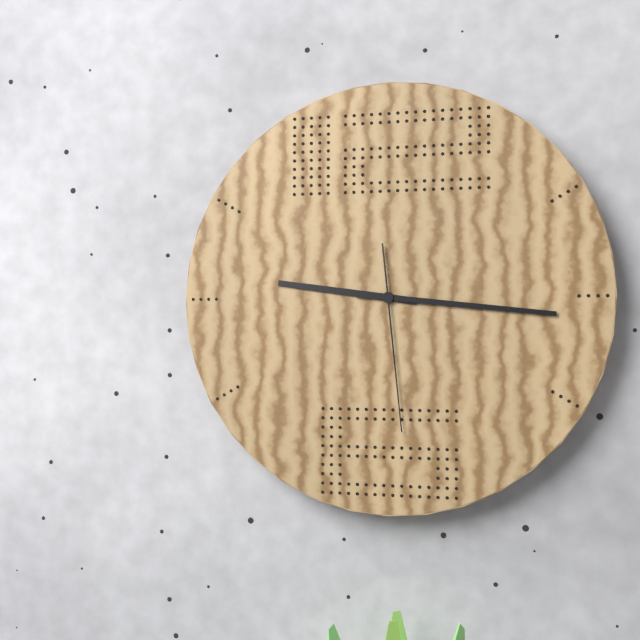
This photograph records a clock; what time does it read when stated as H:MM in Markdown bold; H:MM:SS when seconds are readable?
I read **9:16:29**
